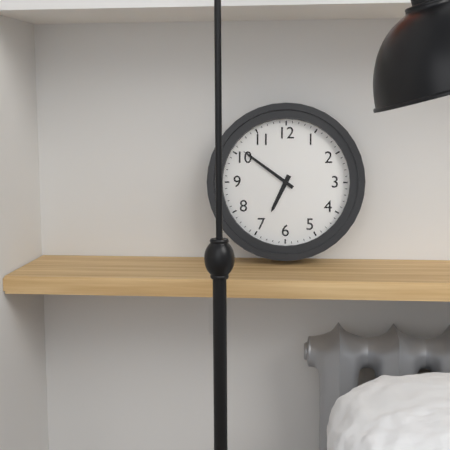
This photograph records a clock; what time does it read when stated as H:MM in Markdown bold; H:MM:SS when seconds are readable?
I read **6:51**
